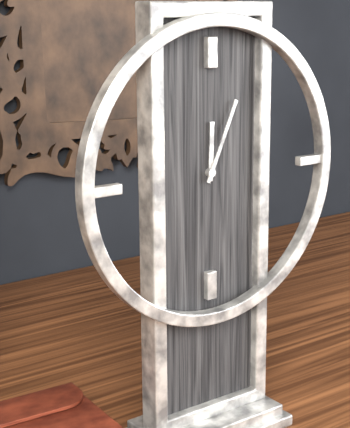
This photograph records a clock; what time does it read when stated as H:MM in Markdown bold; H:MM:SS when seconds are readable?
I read **12:04**
